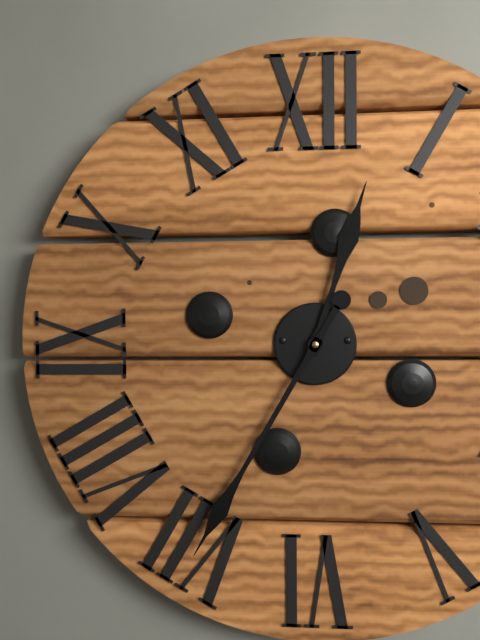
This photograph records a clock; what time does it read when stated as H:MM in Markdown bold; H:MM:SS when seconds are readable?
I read **12:35**
